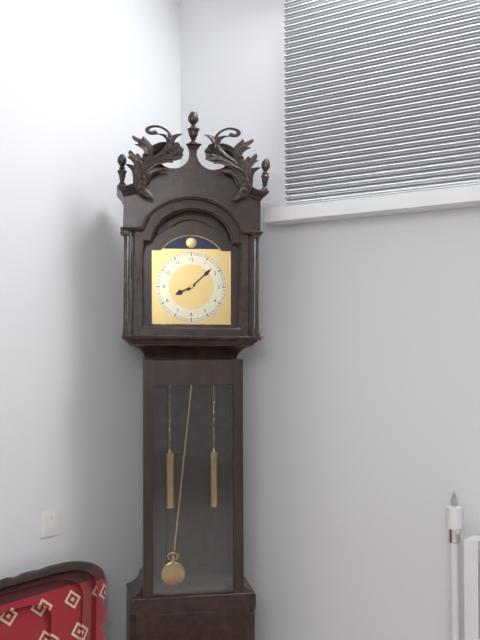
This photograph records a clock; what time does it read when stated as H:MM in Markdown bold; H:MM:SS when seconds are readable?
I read **8:08**
